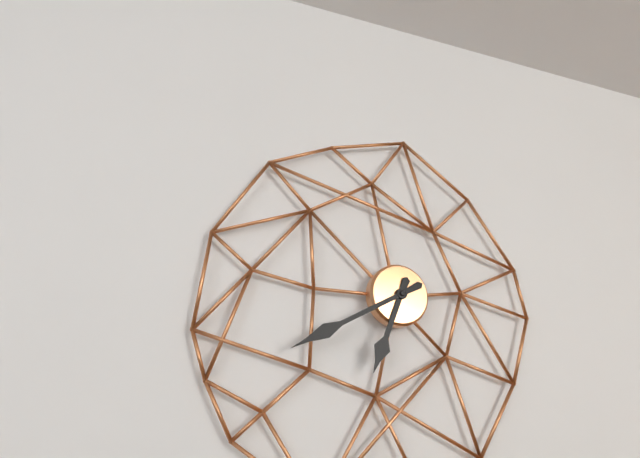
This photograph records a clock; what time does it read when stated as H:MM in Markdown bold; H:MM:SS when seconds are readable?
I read **6:40**
